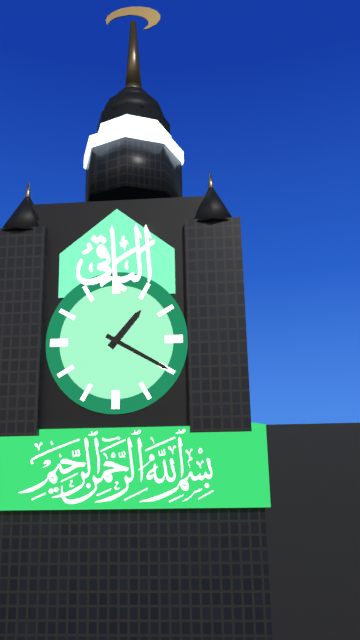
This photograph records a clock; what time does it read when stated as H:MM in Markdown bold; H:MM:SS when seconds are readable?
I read **1:20**
